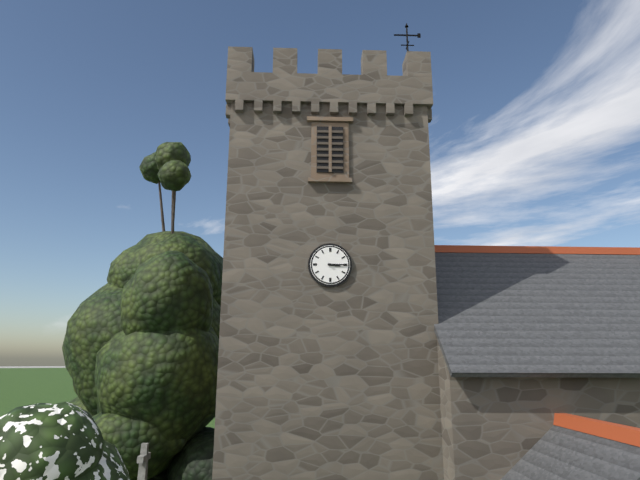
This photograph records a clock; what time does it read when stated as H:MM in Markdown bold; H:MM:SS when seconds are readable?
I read **3:15**
